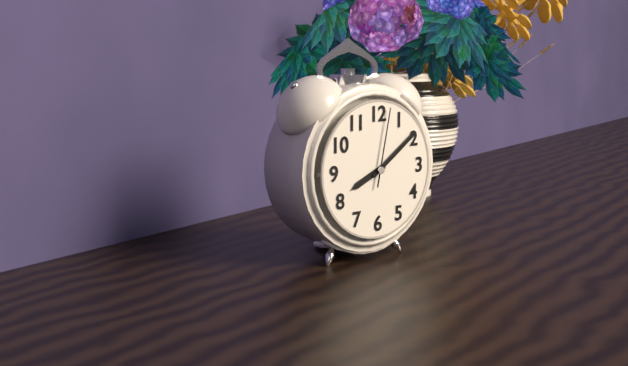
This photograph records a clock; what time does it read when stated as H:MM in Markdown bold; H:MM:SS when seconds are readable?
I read **8:09:02**
